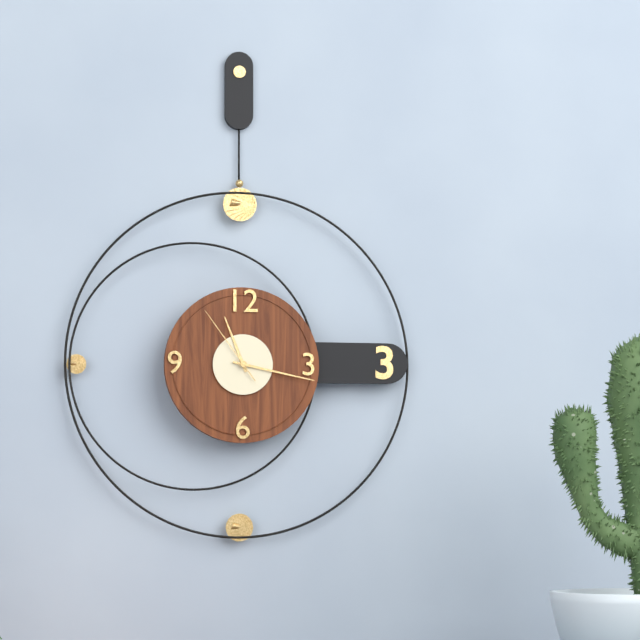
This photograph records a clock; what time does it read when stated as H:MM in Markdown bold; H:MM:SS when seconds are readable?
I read **11:17:54**
